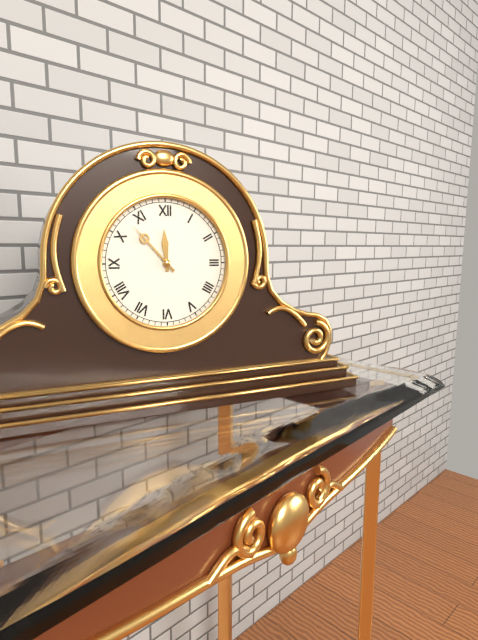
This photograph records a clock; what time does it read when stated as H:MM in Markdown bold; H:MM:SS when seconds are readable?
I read **11:53**
